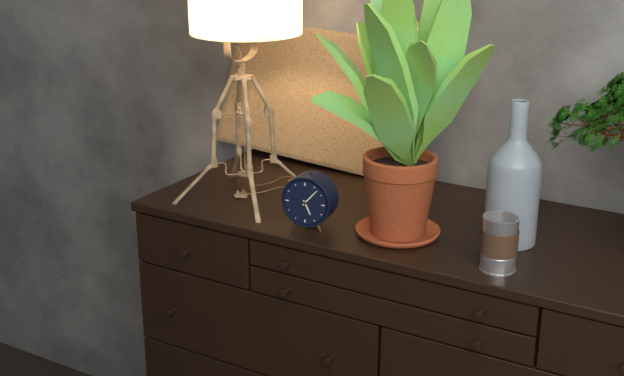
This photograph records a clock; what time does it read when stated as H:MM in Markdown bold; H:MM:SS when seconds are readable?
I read **5:07**
